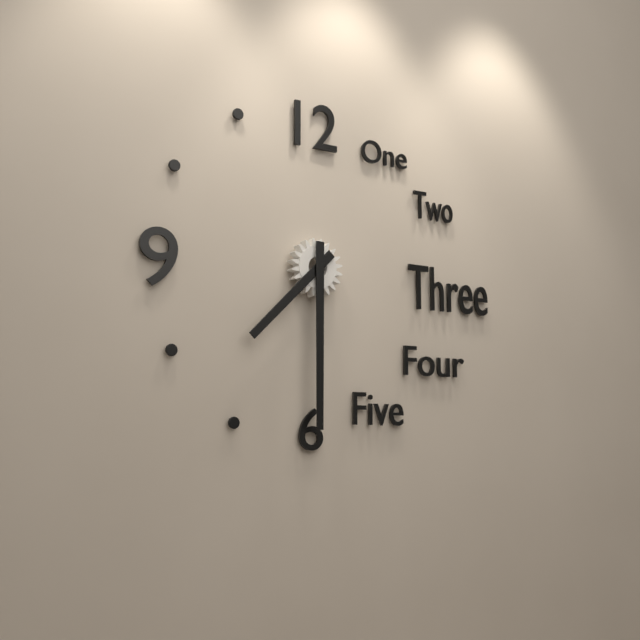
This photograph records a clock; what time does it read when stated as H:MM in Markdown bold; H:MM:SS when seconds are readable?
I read **7:30**
